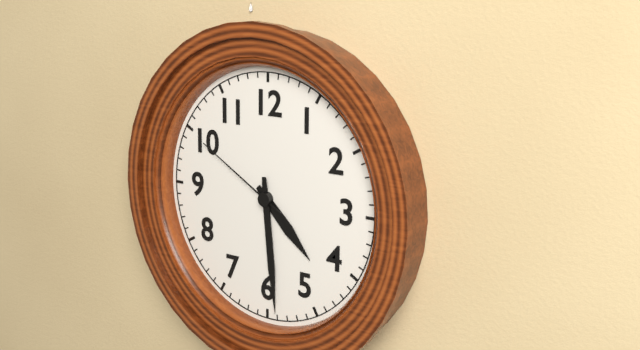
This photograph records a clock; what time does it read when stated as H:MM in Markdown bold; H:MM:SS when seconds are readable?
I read **4:29:50**
